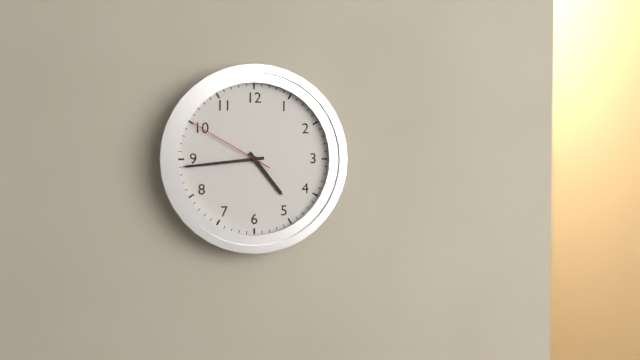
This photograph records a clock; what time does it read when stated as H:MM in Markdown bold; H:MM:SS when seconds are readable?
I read **4:44:50**
